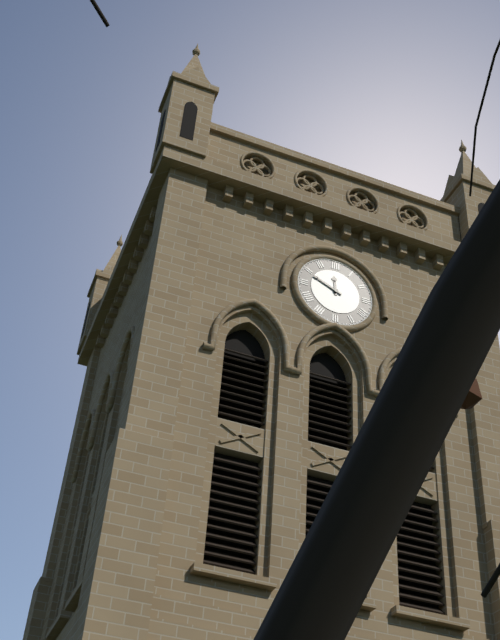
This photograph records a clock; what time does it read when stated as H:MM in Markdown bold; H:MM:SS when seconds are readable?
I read **11:49**
